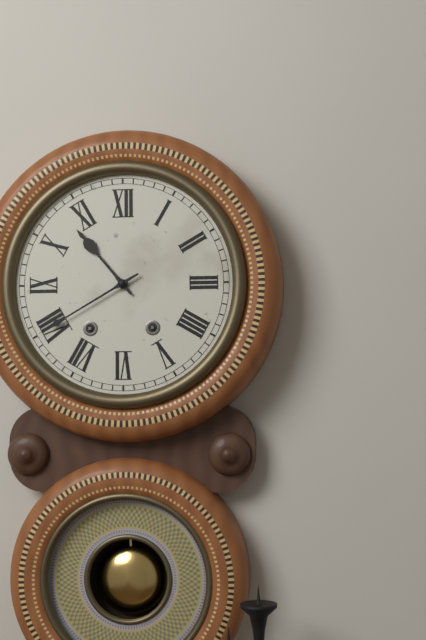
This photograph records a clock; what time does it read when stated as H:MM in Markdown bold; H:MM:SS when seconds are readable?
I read **10:40**
